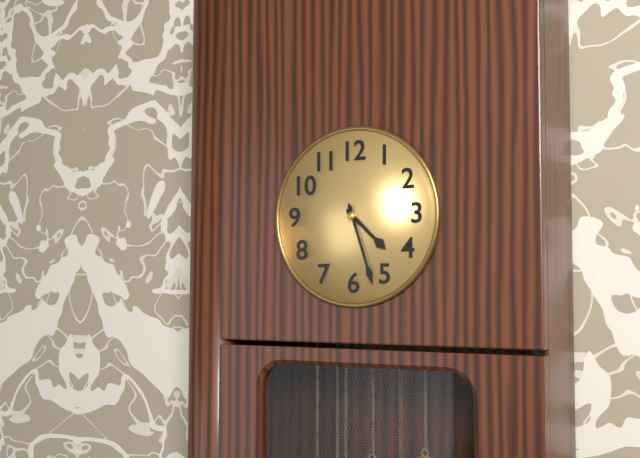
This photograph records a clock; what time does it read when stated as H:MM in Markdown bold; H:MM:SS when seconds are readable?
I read **4:27**
